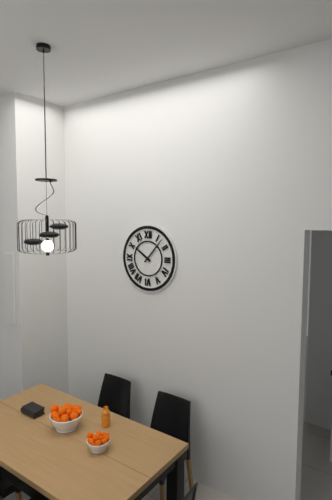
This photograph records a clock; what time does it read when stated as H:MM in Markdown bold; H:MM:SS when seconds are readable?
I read **10:07**
